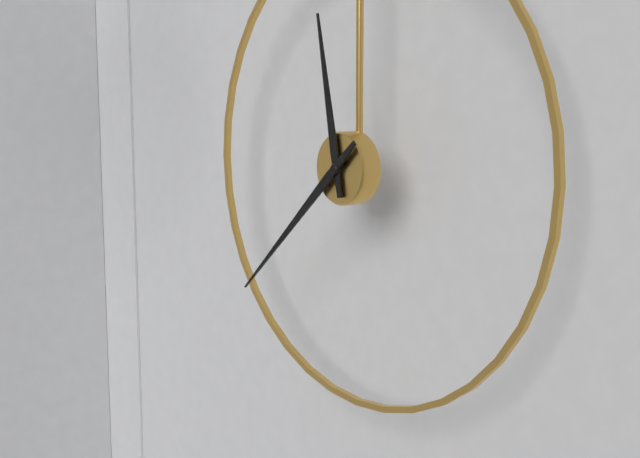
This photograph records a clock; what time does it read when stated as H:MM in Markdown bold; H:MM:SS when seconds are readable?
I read **11:38**
